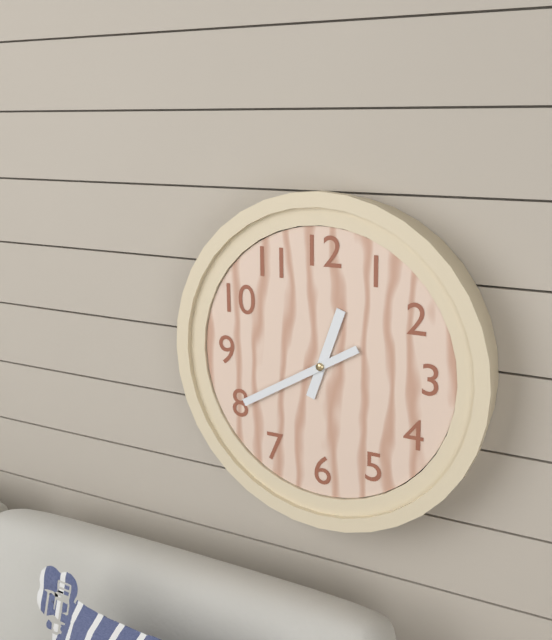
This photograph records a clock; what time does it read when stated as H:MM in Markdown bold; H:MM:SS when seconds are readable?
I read **12:40**
